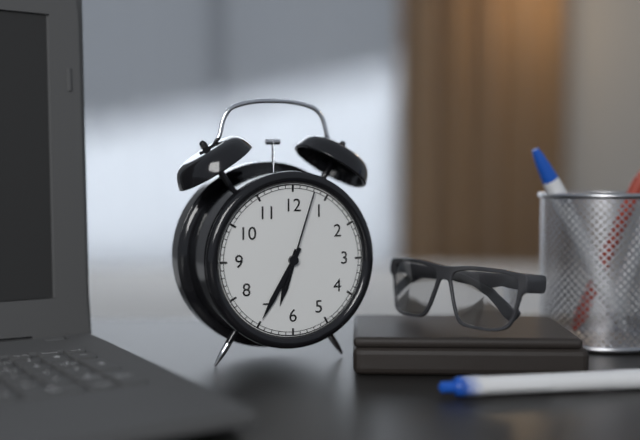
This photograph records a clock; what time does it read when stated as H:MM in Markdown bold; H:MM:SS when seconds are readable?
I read **6:35:03**
